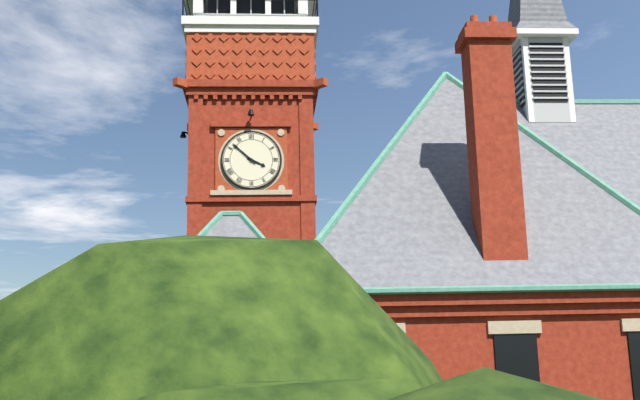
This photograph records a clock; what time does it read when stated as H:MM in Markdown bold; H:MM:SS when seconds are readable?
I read **3:52**
